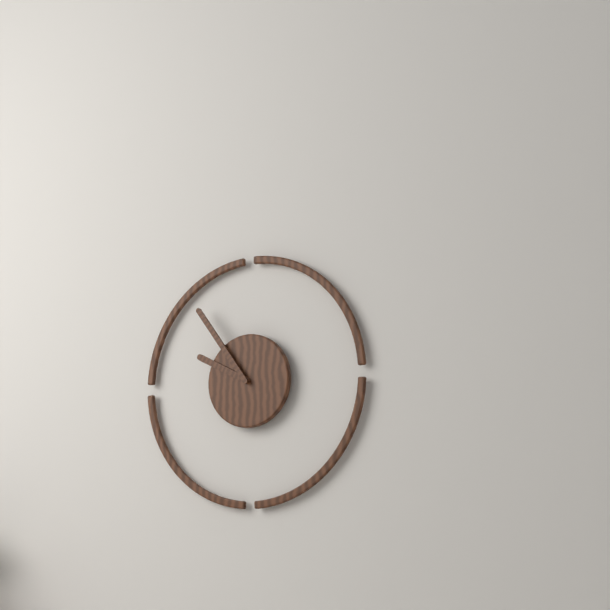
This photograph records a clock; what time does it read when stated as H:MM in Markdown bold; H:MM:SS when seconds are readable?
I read **9:54**
